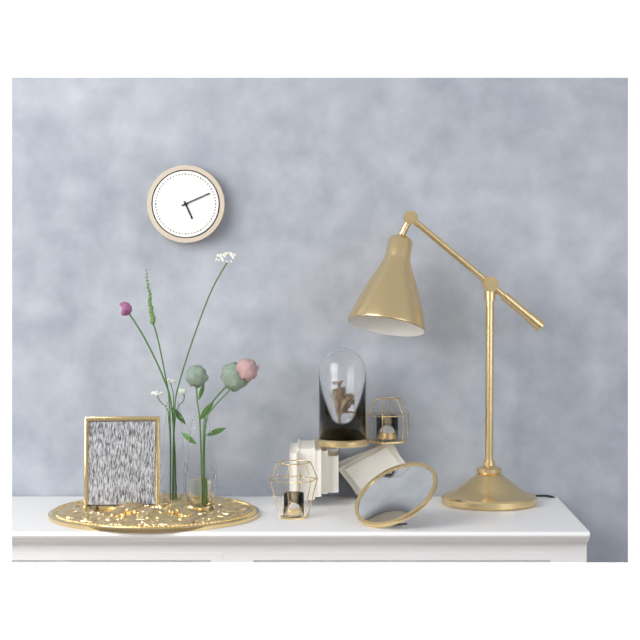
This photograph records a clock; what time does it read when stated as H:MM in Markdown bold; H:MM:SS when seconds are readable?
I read **5:11**
